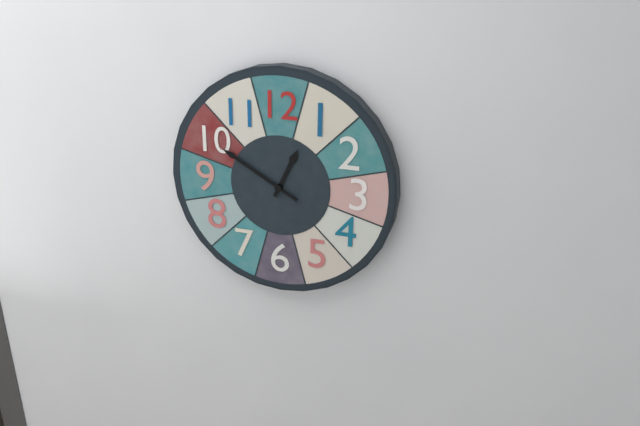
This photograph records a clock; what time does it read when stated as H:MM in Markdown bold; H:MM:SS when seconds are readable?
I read **12:50**
